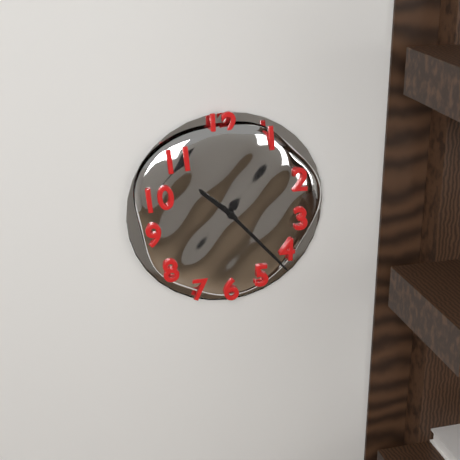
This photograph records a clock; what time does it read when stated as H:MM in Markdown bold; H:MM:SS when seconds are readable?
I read **10:23**
